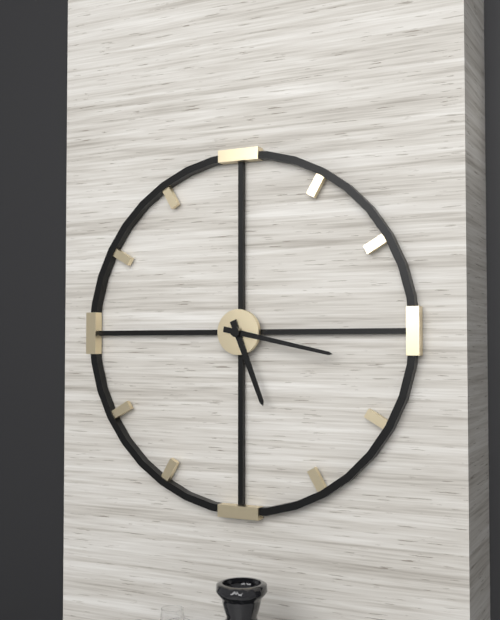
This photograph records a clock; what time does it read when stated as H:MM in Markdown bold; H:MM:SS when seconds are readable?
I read **5:17**
